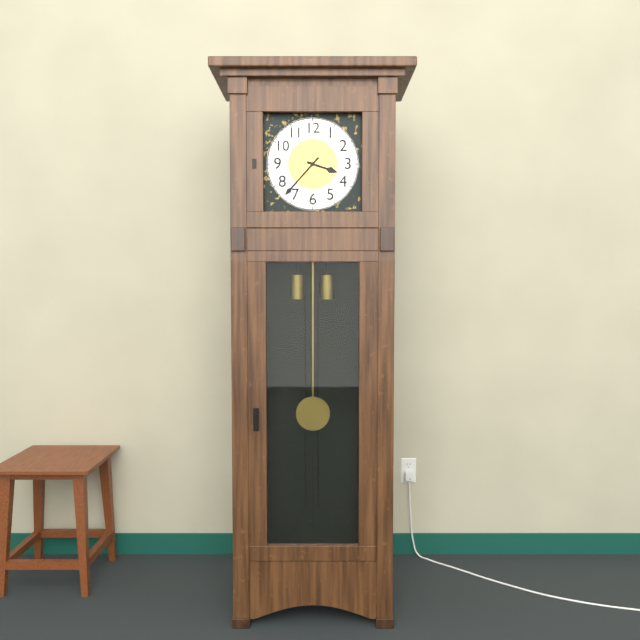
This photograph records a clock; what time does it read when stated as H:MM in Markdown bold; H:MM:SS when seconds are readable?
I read **3:37**
